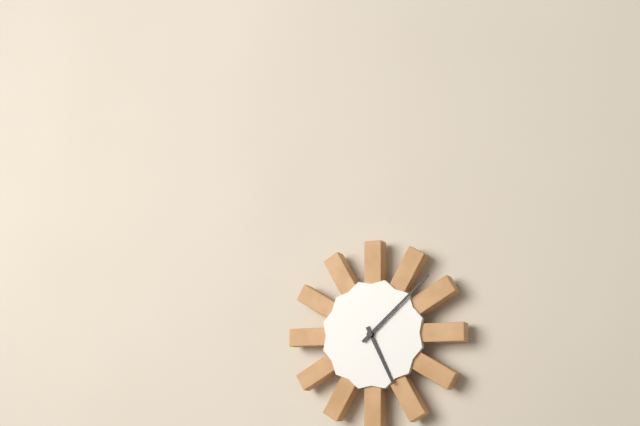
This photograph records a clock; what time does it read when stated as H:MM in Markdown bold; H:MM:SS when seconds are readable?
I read **5:08**
